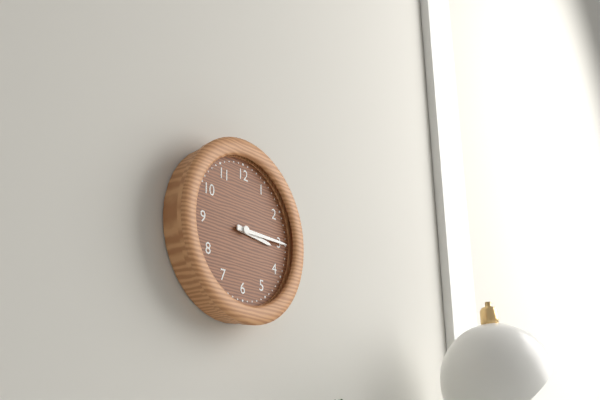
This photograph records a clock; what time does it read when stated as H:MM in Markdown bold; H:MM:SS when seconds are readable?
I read **3:15**
